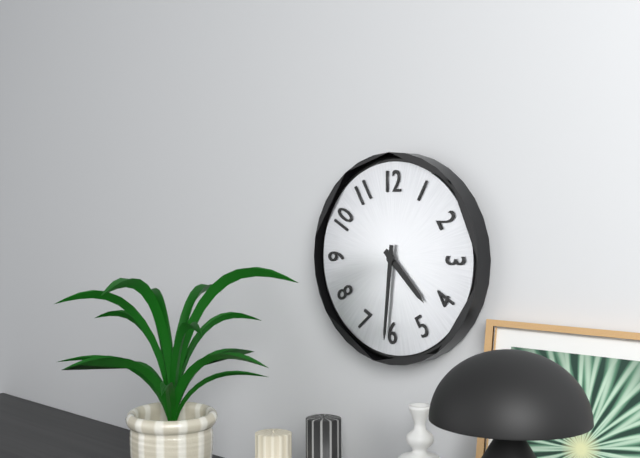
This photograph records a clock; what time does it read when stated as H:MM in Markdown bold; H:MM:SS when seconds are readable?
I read **4:31**
